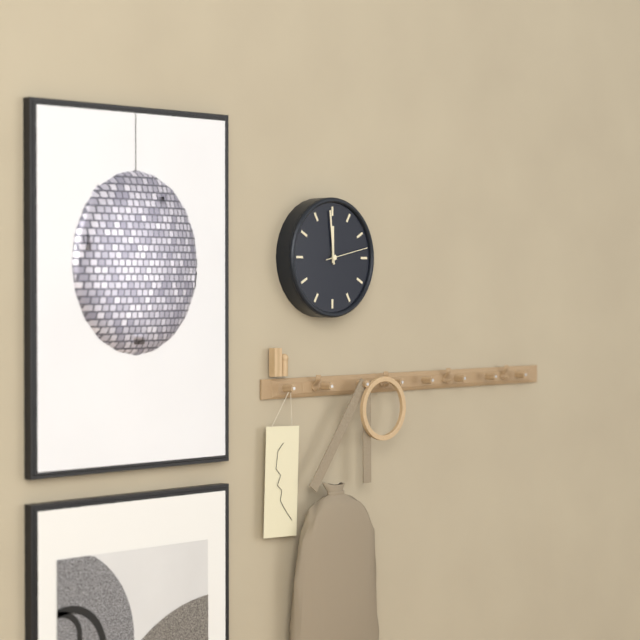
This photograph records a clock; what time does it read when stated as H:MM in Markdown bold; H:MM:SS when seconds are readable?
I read **11:59**
